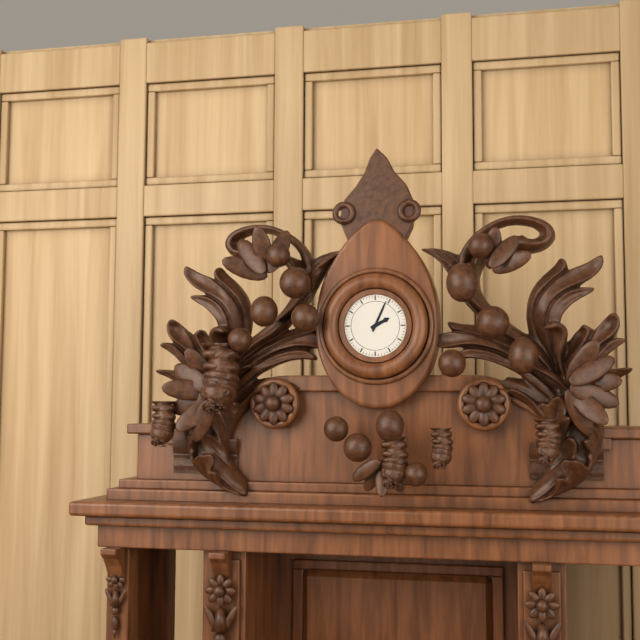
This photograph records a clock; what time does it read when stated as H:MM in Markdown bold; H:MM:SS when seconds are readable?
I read **2:04**
